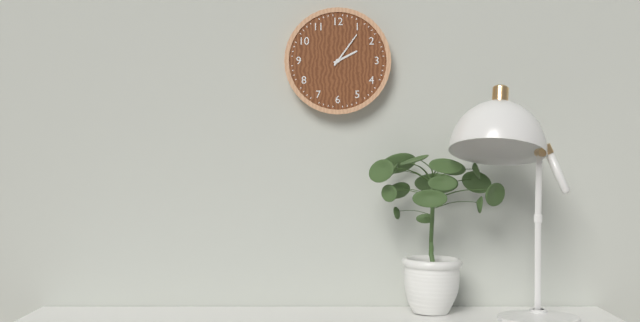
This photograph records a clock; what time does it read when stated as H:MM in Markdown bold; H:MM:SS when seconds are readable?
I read **2:06**
